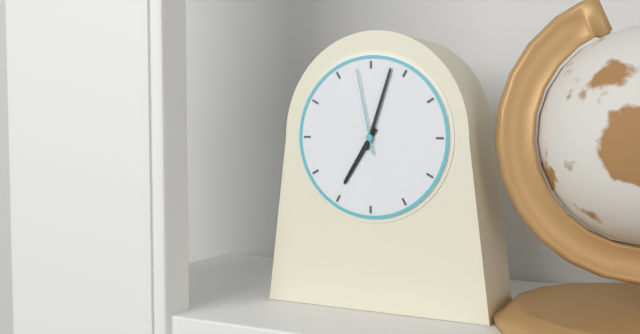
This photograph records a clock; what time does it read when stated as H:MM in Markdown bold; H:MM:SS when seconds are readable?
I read **7:03:58**
